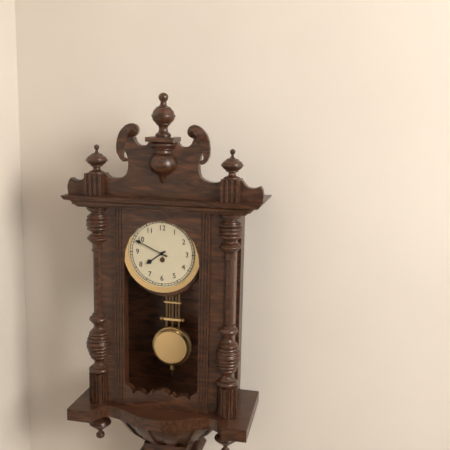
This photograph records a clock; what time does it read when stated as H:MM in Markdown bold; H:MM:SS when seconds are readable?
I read **7:49**
